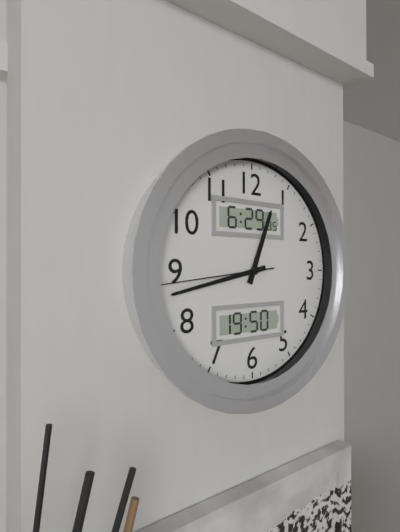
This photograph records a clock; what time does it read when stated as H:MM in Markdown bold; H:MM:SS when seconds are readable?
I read **12:43:44**
